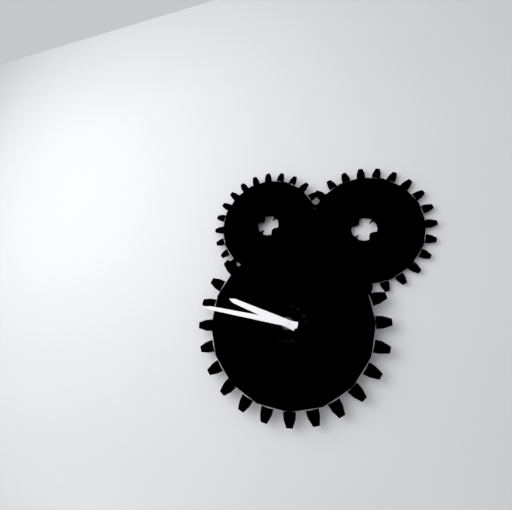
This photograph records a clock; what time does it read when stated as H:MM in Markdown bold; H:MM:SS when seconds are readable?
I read **9:47**
